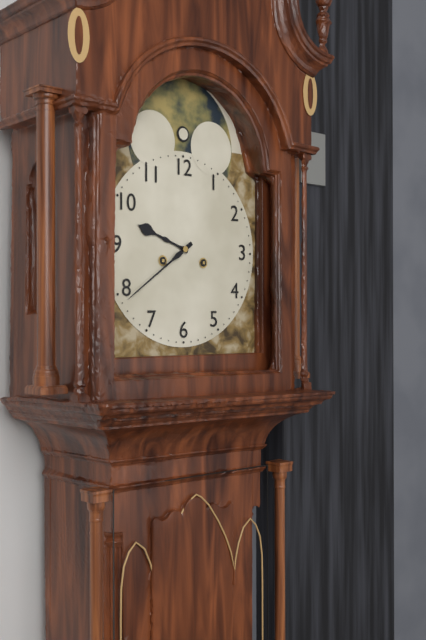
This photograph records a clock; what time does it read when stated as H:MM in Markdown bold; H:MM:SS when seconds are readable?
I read **9:39**
